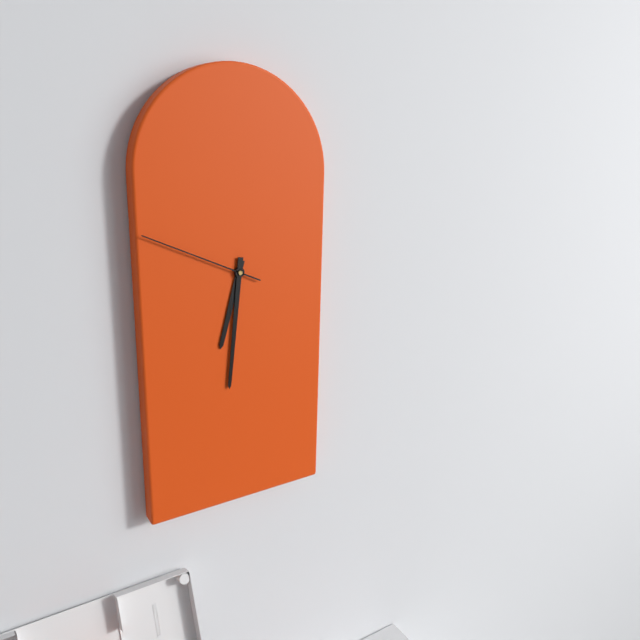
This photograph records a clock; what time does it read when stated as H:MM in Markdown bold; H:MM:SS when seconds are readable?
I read **6:31:49**
